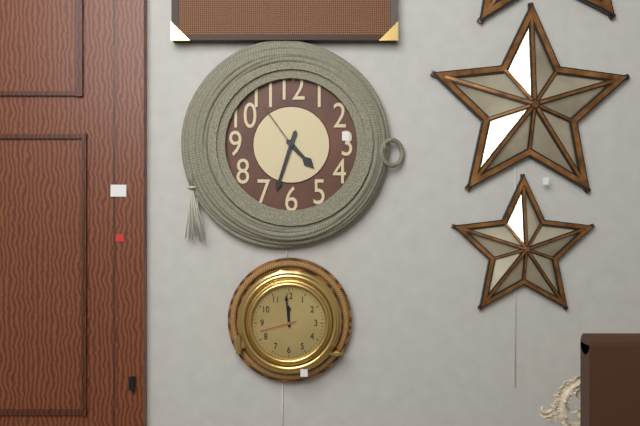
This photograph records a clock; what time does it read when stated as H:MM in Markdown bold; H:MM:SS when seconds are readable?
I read **4:33:54**
